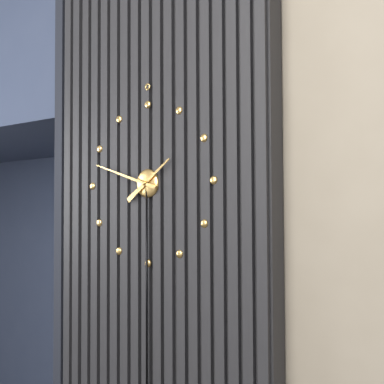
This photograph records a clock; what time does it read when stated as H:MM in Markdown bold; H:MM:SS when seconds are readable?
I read **1:48**
